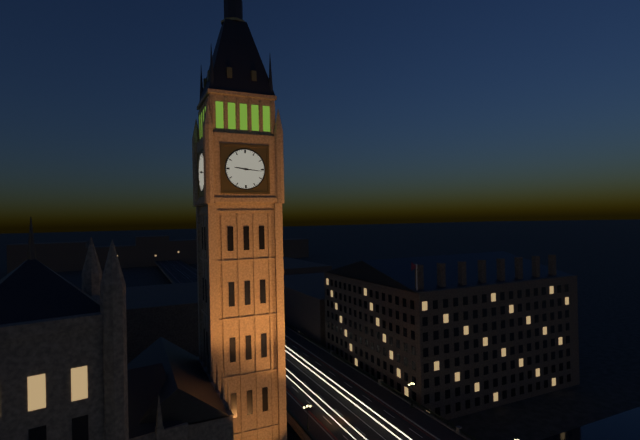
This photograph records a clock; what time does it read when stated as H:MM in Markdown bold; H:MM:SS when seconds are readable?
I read **9:16**
